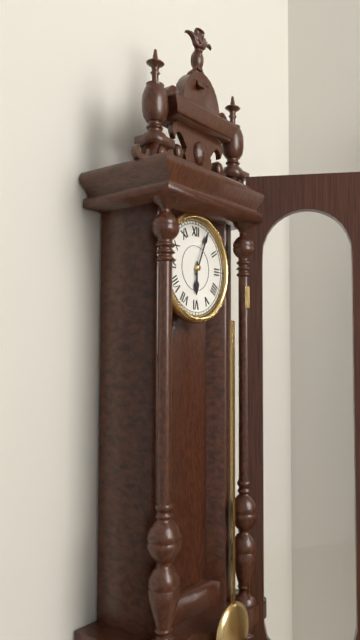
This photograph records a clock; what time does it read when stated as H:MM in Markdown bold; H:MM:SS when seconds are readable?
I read **6:04**
